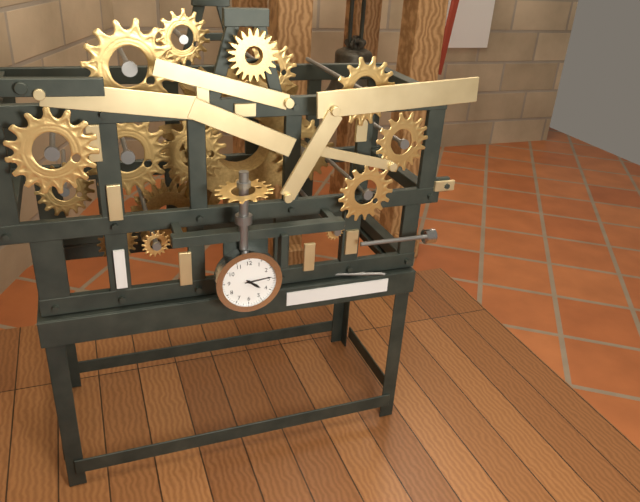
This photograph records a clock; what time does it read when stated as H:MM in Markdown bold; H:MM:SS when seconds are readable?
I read **4:14**
